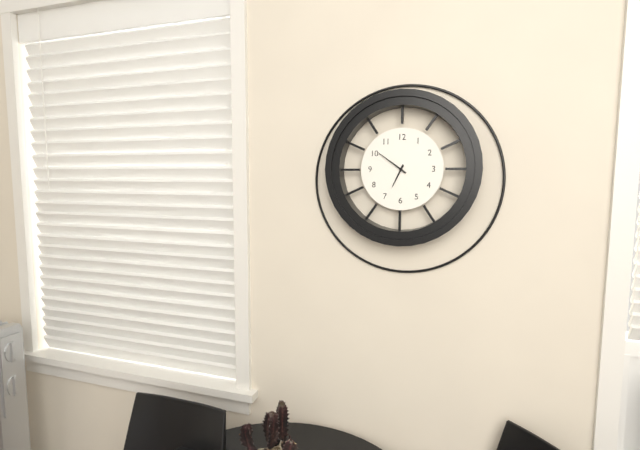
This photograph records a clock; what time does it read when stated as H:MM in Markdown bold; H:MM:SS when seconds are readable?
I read **6:51**
